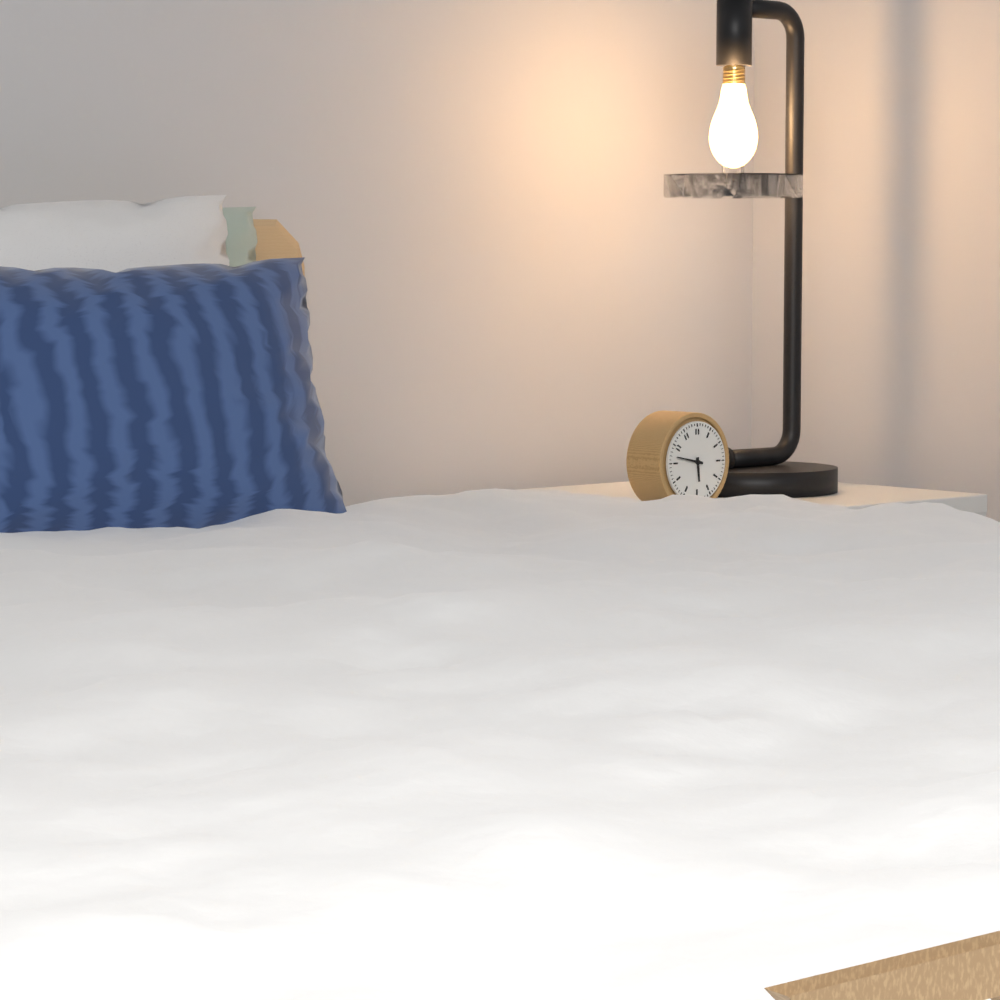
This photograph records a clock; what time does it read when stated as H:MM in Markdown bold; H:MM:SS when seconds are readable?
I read **5:47**
